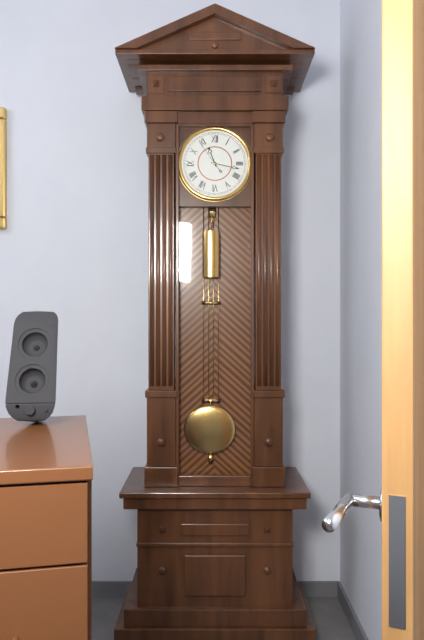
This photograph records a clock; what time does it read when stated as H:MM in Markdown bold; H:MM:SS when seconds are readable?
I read **11:17**
